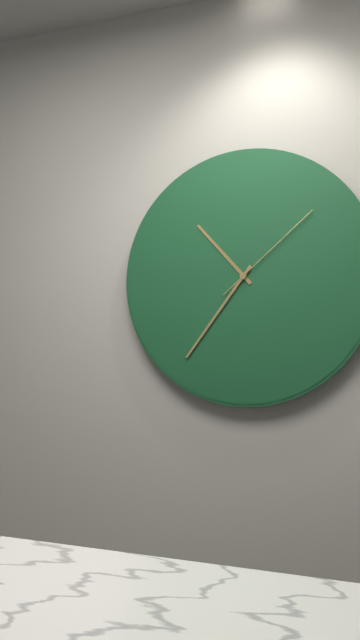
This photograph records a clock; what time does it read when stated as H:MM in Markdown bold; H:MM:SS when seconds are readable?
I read **10:36:08**
